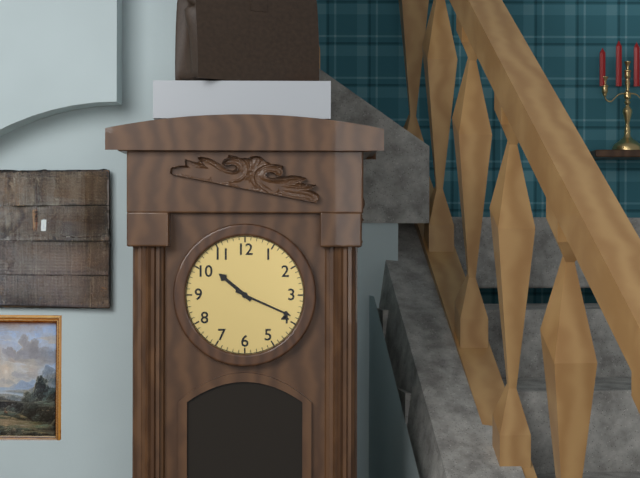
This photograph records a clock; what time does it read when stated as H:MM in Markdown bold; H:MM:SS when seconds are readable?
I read **10:19**
